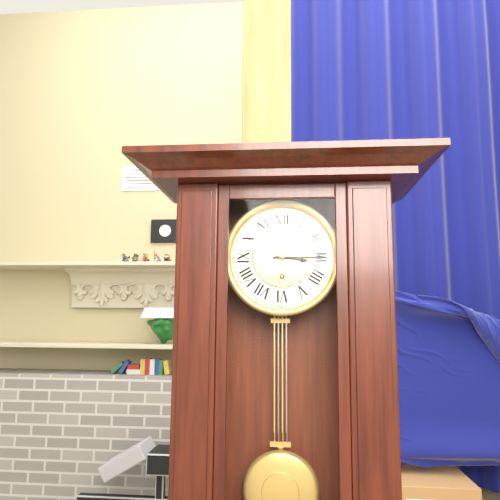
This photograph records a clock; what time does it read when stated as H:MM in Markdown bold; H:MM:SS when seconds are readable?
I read **3:15**
